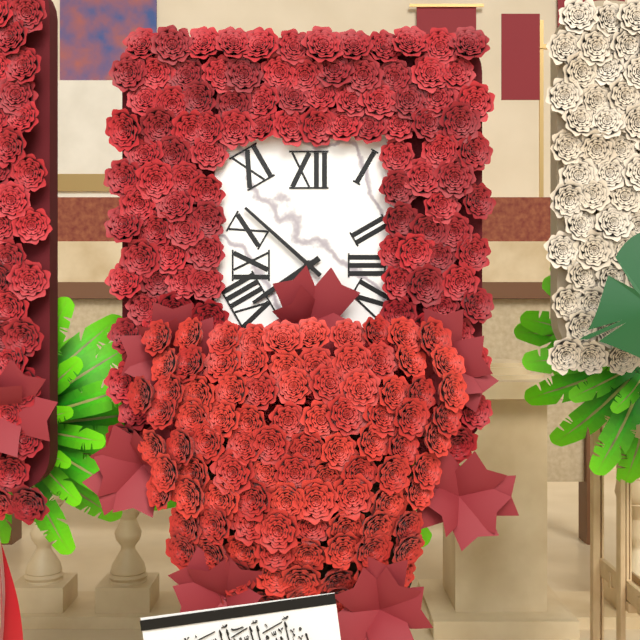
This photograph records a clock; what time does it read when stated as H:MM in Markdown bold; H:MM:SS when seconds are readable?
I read **7:52**
